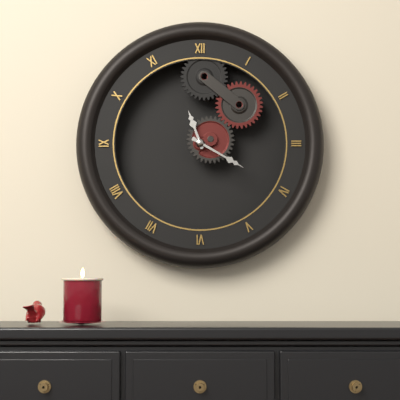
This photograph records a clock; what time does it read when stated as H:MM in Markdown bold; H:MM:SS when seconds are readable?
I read **11:20**
